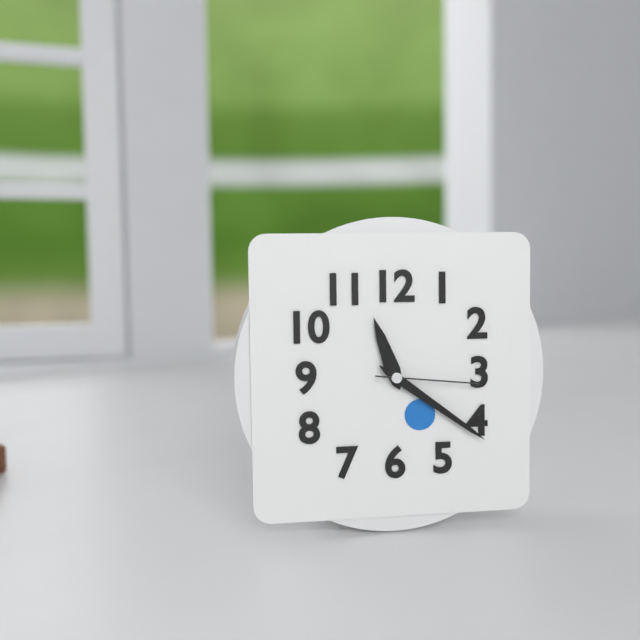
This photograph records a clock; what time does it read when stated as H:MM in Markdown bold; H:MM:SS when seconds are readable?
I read **11:21:16**
